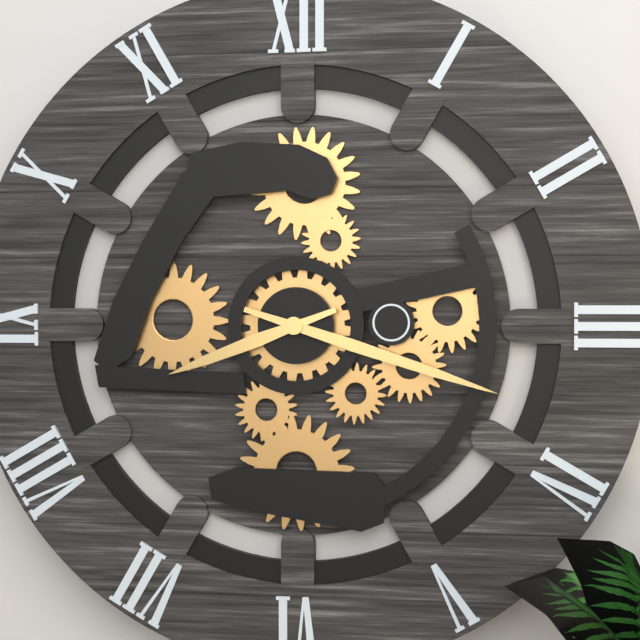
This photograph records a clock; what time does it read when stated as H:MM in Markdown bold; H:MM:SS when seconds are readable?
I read **8:18**
